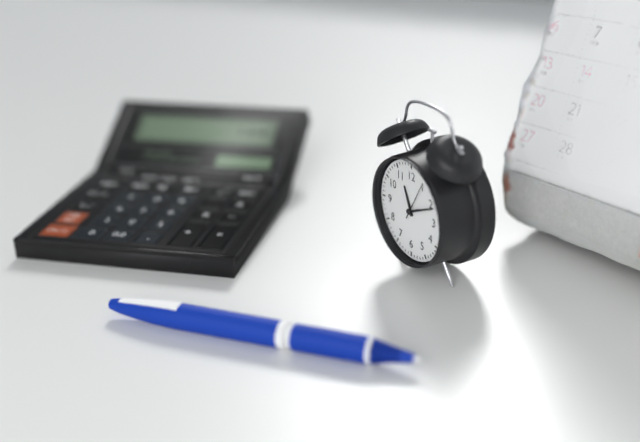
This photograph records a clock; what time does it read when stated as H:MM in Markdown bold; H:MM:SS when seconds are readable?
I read **11:11**
